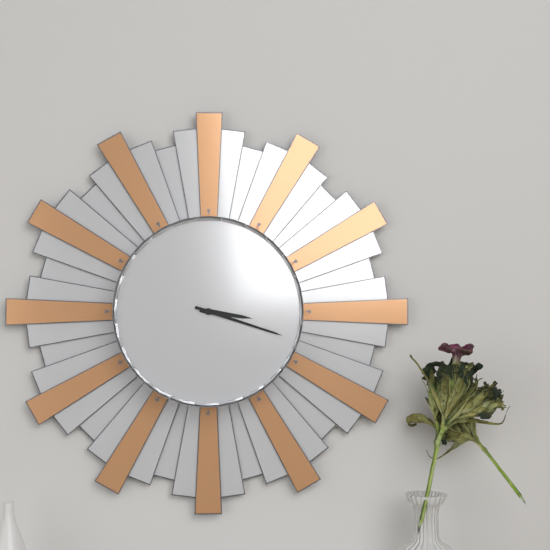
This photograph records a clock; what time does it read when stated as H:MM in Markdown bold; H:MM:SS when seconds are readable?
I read **3:18**
